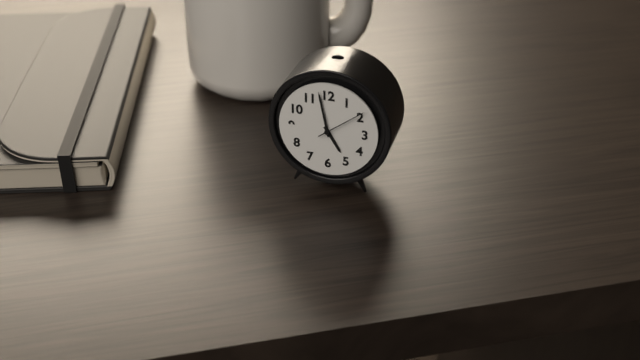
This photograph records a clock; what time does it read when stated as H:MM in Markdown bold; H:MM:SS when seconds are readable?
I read **4:58:09**
